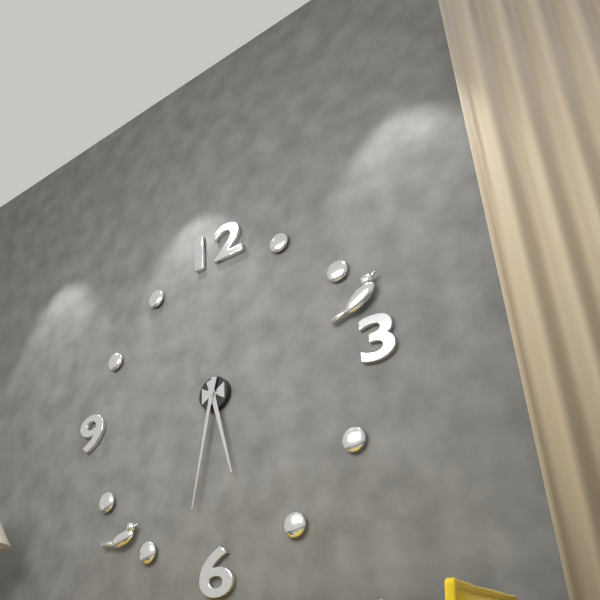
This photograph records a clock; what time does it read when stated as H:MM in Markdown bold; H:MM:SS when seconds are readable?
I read **5:32**
